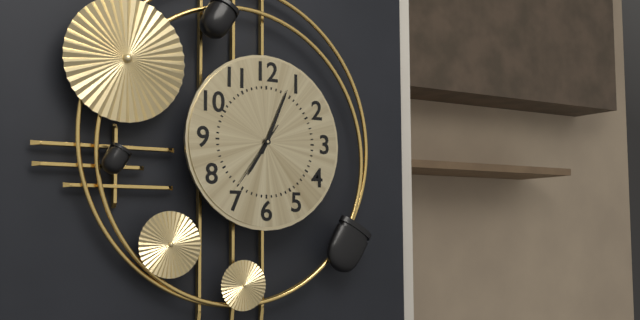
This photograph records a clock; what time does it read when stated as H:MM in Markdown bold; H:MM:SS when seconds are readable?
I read **7:04:36**
